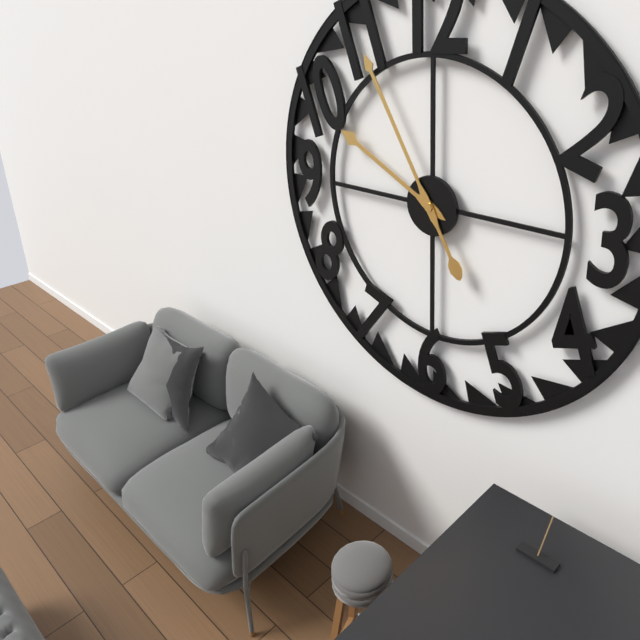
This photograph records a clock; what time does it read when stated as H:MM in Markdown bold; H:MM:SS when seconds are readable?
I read **9:55**
